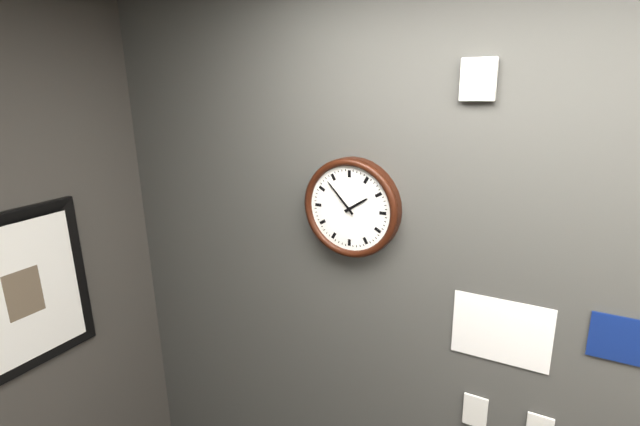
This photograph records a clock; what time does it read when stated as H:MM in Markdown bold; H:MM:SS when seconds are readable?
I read **1:53**
